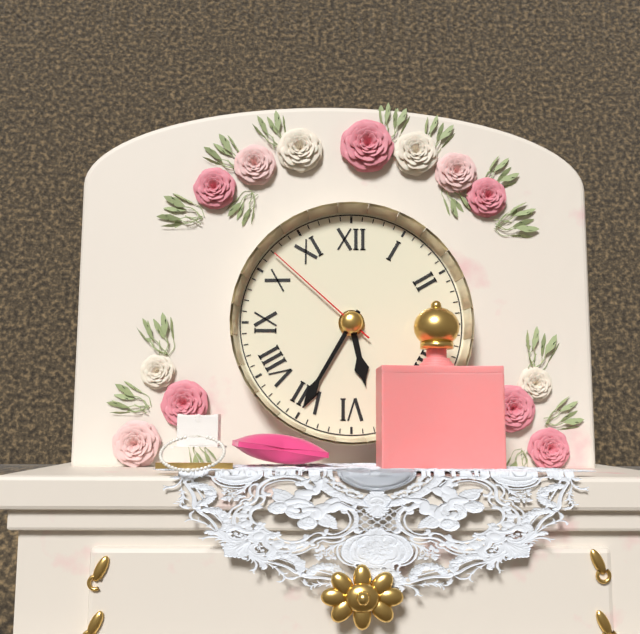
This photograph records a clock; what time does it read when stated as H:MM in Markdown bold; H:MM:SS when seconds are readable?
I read **5:35:52**
